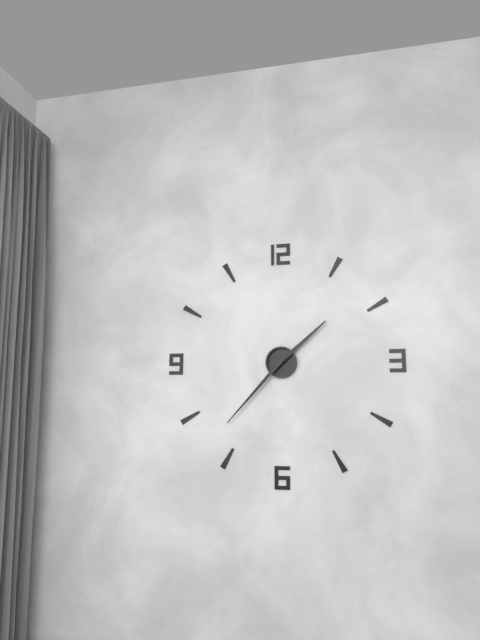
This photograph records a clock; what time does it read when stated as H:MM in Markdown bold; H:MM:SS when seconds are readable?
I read **1:37**
